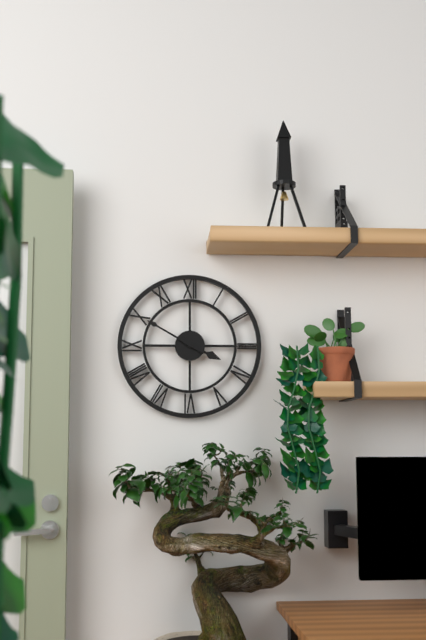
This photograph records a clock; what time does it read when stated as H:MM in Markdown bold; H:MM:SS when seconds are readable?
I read **3:50**
